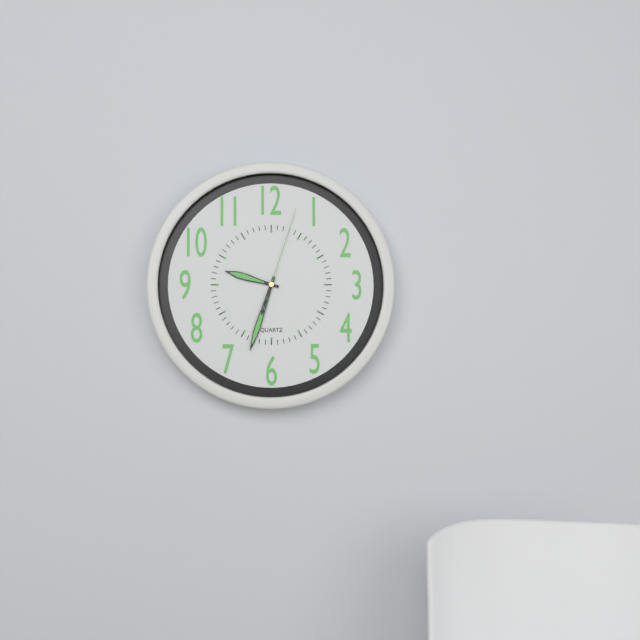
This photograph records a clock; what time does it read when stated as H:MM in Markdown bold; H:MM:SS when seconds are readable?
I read **9:33:03**
